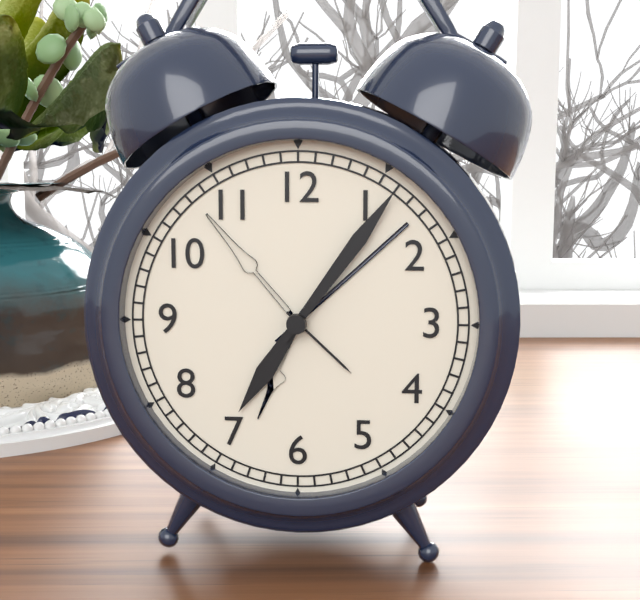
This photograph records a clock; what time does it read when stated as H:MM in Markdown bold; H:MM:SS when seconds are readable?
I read **7:06**
